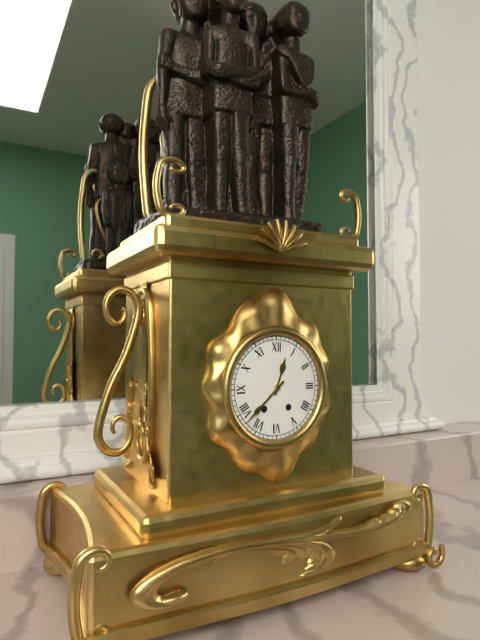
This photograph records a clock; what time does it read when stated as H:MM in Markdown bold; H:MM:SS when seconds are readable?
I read **12:38**
